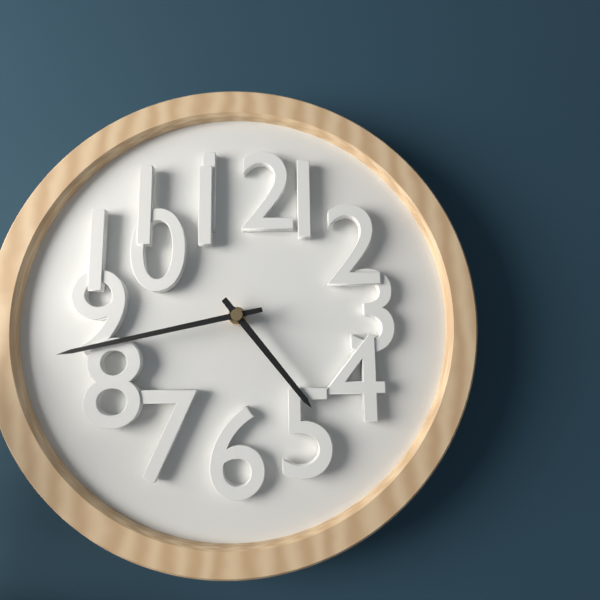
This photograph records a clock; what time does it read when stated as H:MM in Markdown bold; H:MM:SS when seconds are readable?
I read **4:43**
